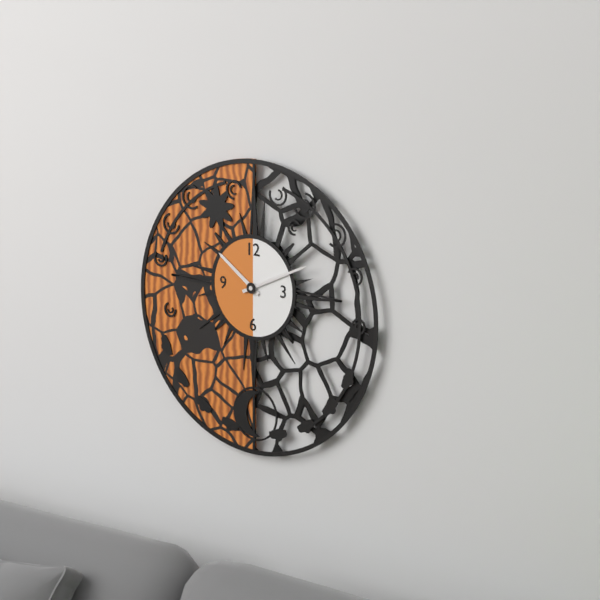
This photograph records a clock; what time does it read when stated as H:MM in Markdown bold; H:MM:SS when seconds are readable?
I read **10:11**
